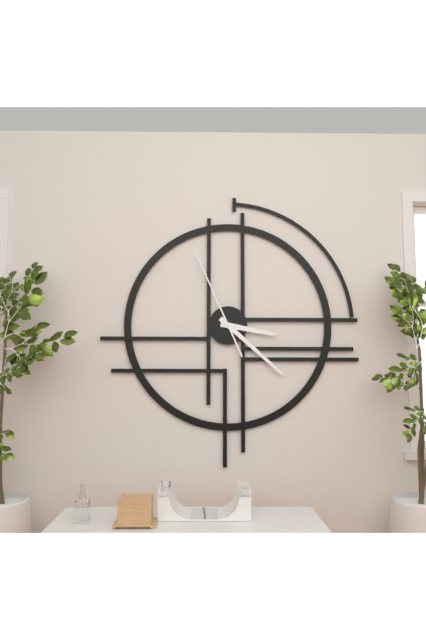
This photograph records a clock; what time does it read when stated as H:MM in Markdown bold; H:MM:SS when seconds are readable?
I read **3:22:56**
